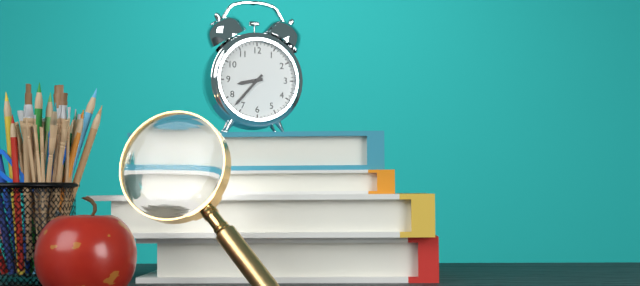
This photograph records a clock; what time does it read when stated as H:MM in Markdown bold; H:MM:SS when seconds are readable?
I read **8:37**
